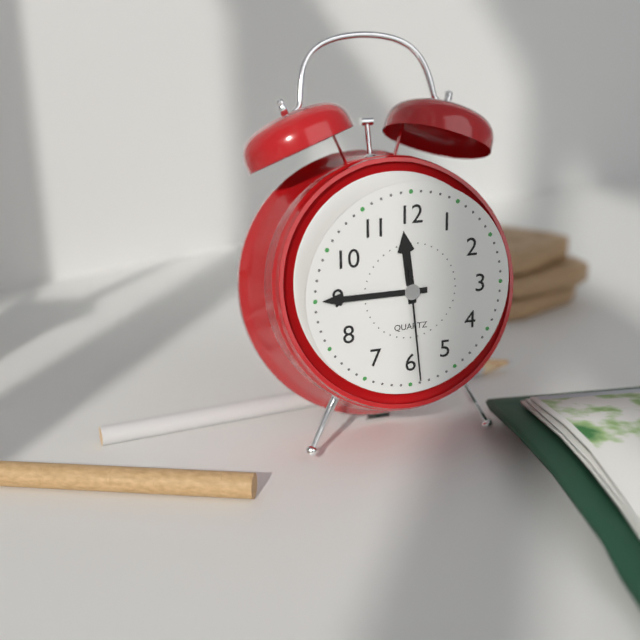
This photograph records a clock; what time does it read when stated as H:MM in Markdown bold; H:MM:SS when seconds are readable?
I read **11:45:29**
